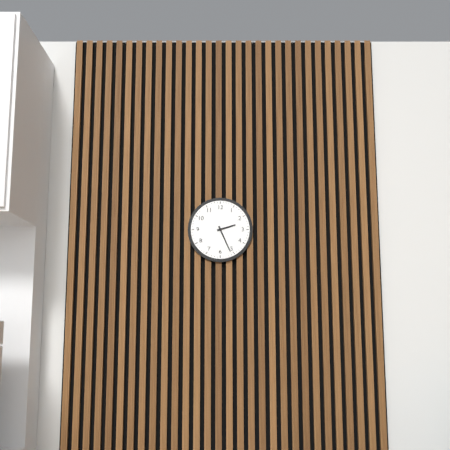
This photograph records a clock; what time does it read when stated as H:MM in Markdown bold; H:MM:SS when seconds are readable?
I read **2:26**
